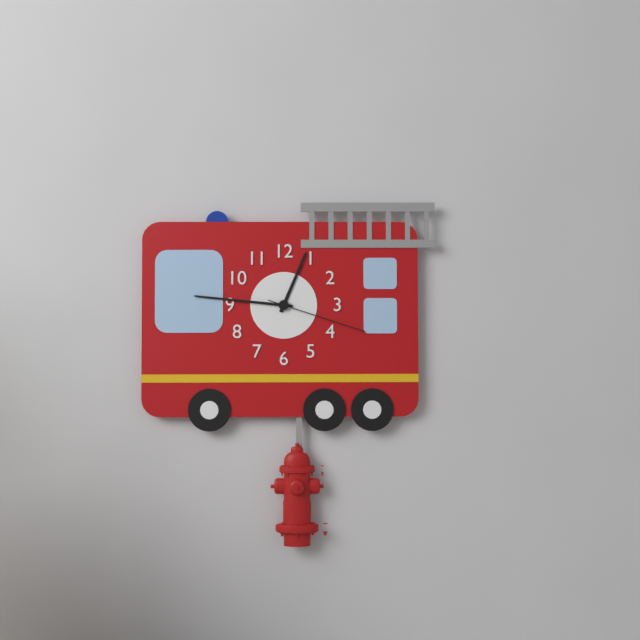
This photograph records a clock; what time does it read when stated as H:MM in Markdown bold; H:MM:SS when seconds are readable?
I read **12:46:18**
